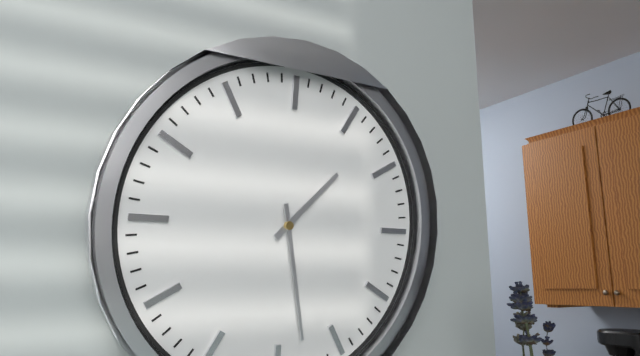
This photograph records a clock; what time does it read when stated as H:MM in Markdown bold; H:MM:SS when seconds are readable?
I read **1:28**
